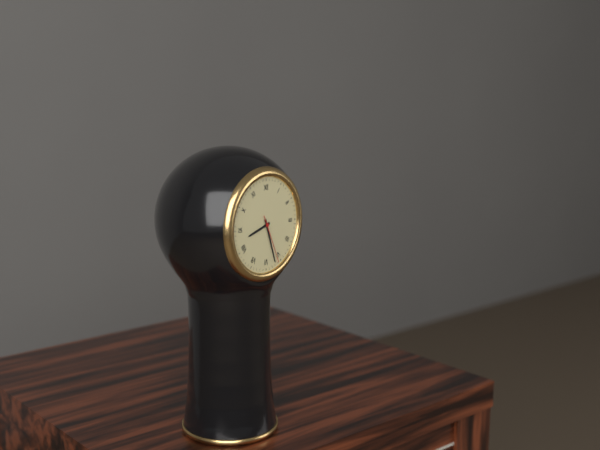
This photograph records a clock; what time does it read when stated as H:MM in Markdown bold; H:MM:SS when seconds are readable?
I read **8:27**
